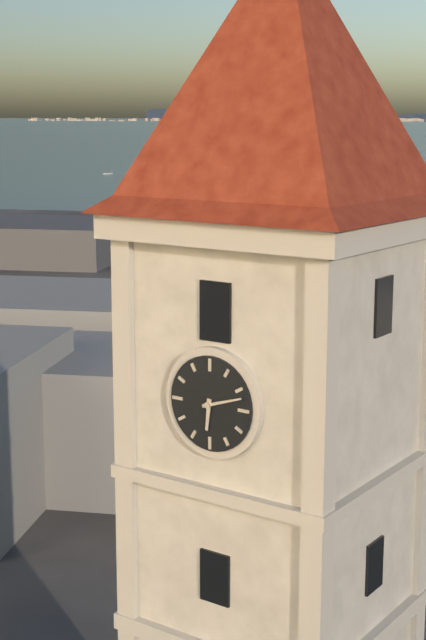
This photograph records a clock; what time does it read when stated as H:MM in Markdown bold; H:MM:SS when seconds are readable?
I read **6:12**
